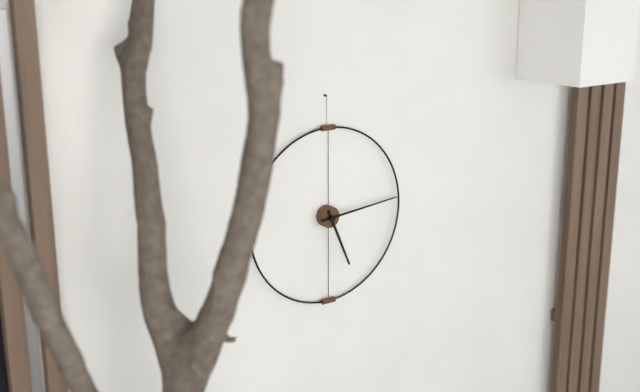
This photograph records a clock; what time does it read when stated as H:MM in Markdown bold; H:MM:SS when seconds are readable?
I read **5:14**
